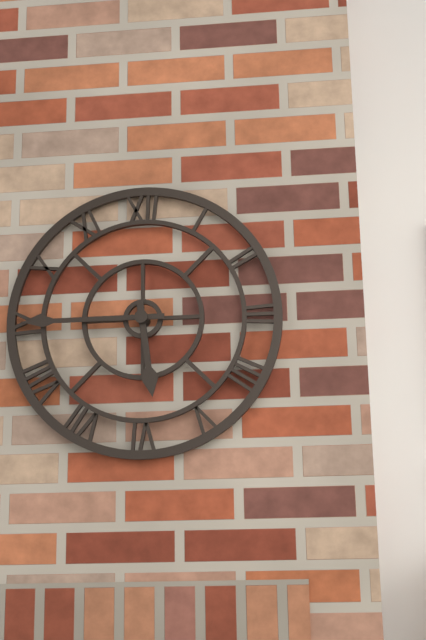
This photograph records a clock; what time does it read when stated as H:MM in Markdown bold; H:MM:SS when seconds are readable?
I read **5:45**
